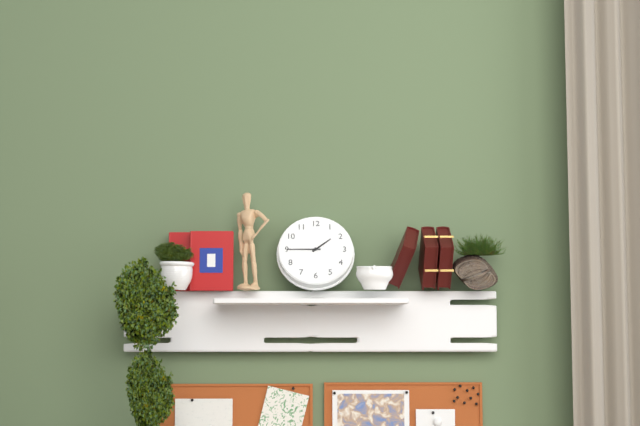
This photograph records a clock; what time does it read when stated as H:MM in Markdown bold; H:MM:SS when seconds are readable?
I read **1:45**
